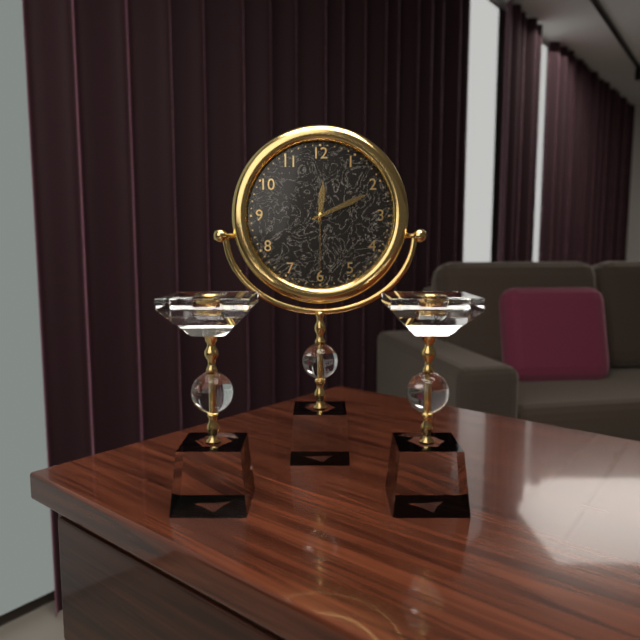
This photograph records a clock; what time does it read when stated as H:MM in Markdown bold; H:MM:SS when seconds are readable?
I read **12:11:30**
